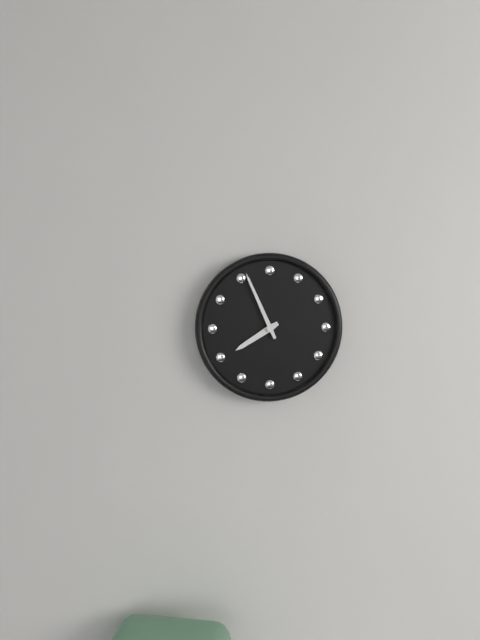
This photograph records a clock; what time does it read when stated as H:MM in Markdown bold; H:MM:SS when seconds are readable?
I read **7:56**
